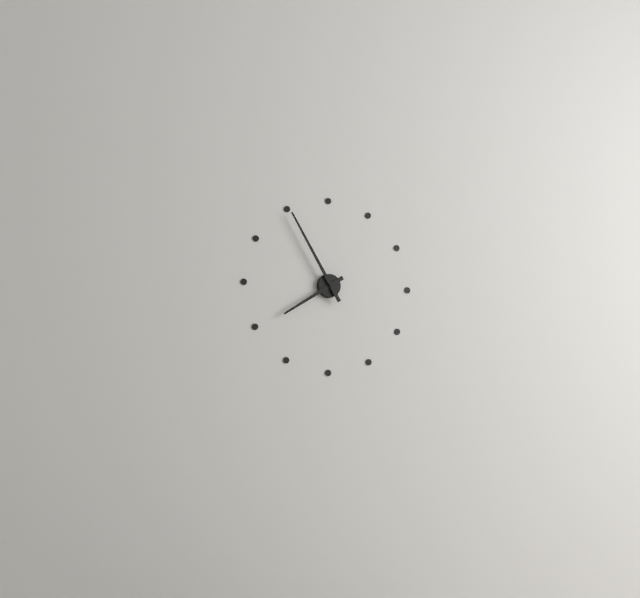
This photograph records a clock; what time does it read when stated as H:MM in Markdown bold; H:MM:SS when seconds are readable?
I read **7:55**
